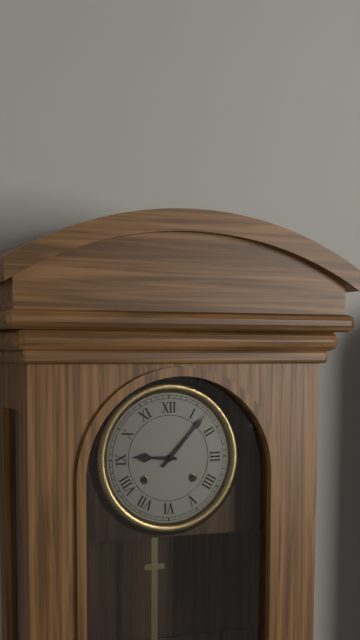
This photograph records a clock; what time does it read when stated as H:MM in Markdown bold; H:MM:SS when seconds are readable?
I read **9:07**
